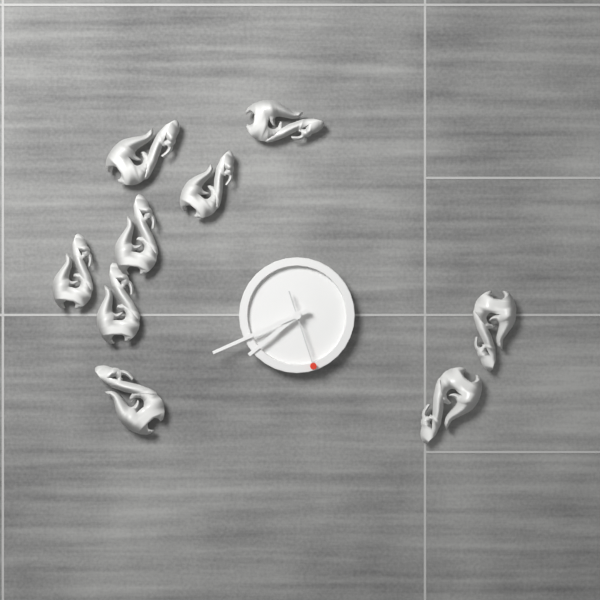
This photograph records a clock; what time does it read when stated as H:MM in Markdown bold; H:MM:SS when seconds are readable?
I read **7:41:27**
